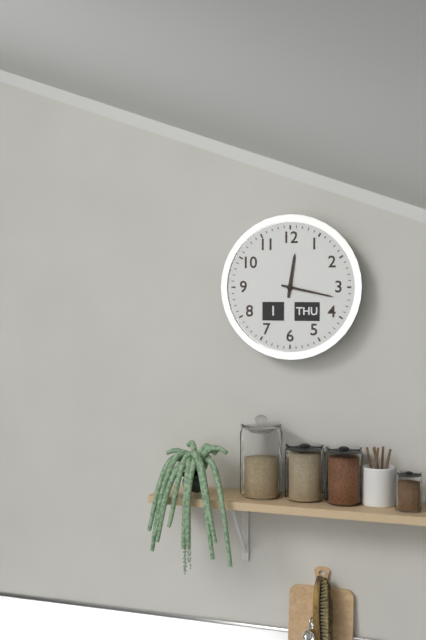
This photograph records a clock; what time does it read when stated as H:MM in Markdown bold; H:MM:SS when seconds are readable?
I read **12:17**
